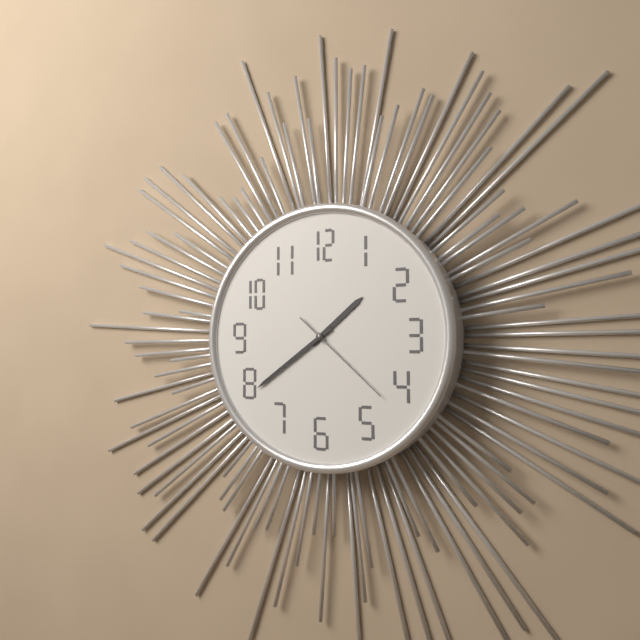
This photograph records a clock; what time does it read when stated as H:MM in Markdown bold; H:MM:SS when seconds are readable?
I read **1:39:22**
